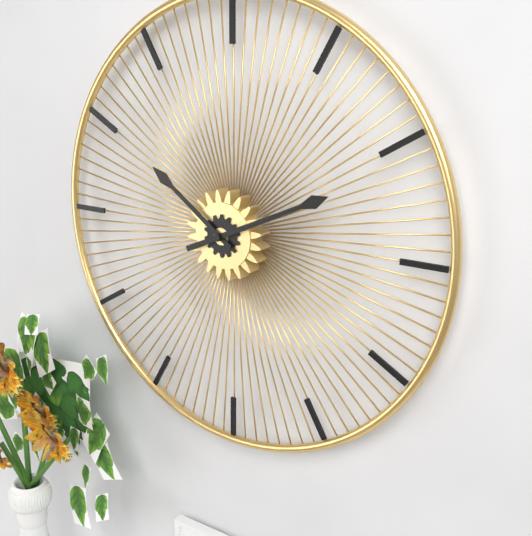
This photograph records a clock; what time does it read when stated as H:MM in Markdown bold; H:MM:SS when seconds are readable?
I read **10:11**
